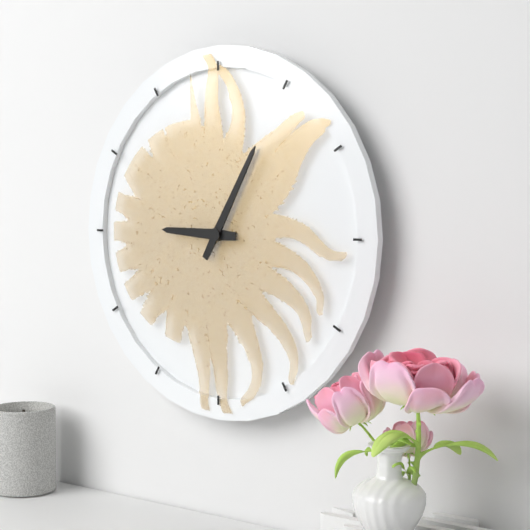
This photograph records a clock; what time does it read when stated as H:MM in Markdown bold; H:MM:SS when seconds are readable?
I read **9:05**
